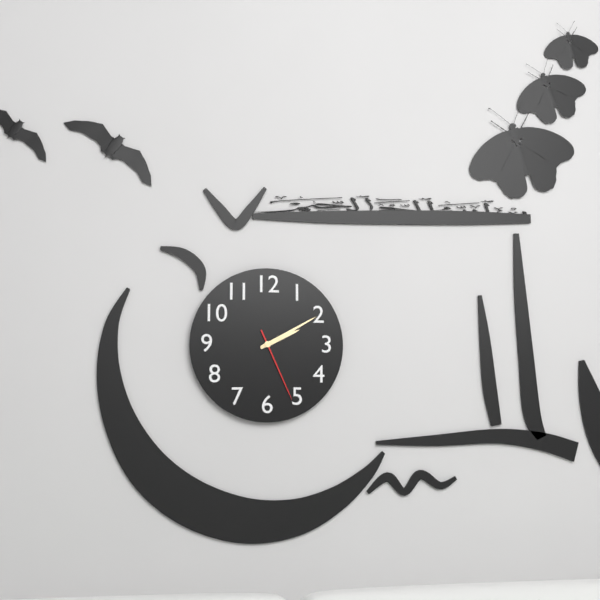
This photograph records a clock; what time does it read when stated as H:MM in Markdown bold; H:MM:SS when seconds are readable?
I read **2:10:26**
